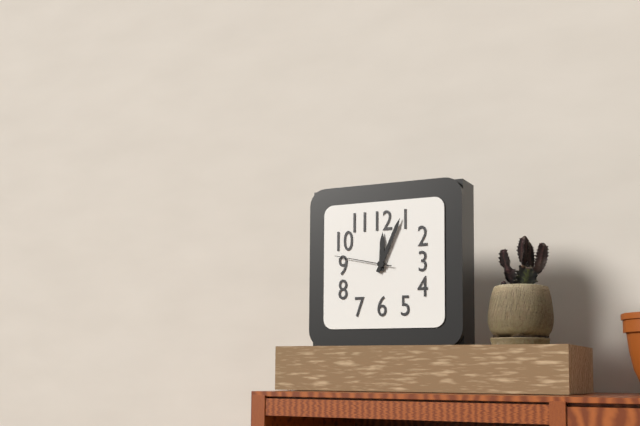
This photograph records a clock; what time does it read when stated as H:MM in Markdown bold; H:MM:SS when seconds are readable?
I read **12:04:47**
